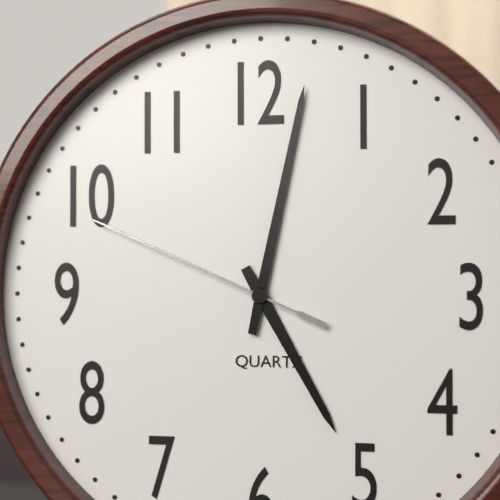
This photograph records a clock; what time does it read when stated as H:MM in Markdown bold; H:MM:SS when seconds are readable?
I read **5:02:49**
